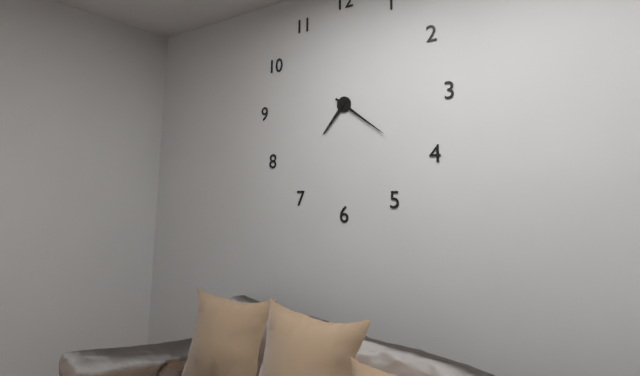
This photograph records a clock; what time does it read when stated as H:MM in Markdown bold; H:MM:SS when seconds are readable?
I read **7:21**
